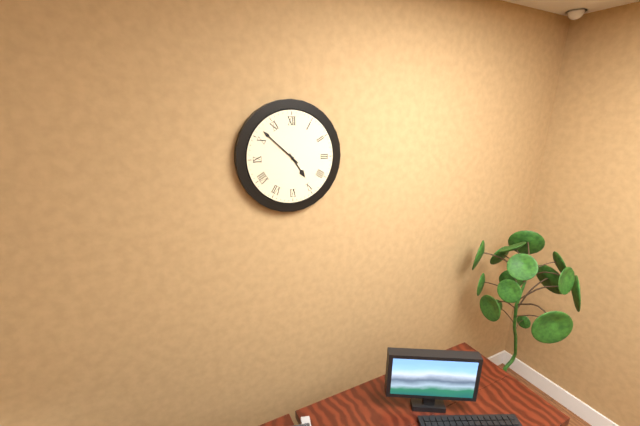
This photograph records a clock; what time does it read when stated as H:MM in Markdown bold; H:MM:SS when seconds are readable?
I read **4:52**
